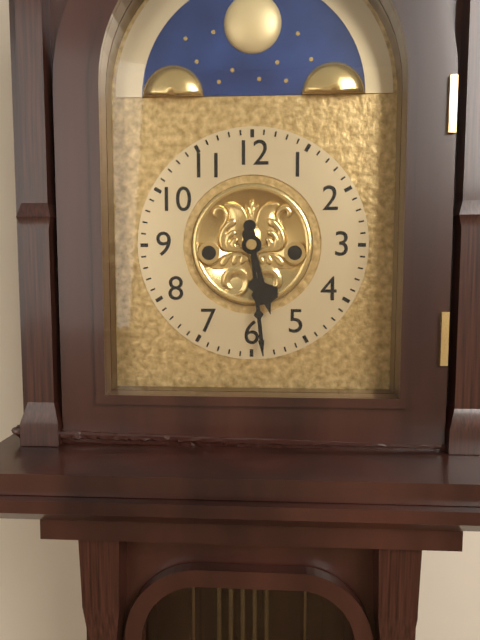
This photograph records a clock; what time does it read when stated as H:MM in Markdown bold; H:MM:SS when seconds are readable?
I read **5:29**
